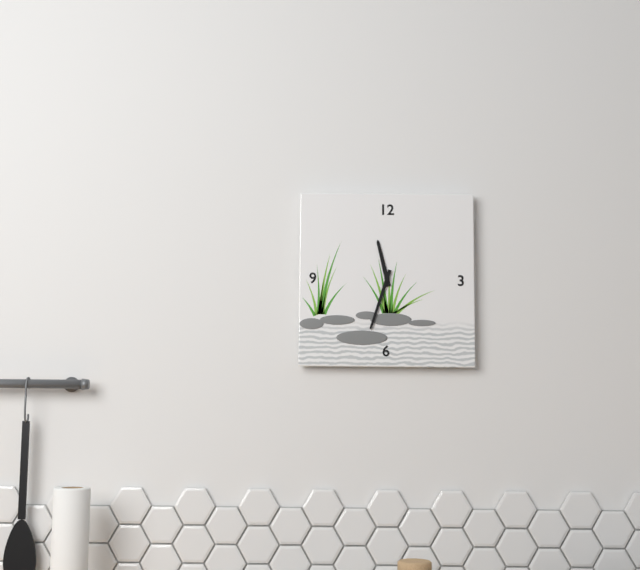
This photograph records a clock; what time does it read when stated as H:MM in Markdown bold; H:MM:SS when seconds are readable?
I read **11:33**
